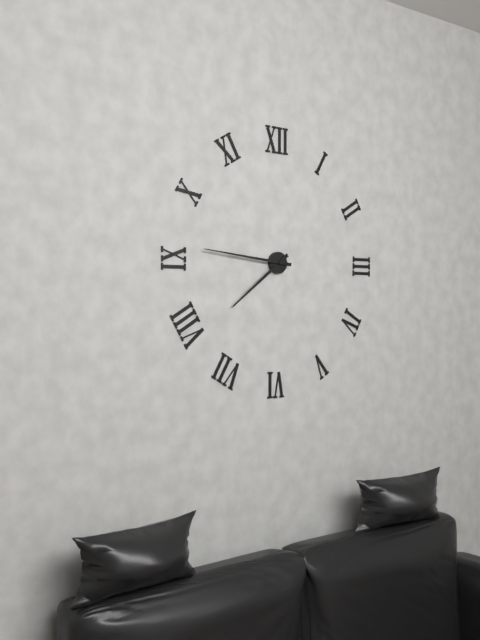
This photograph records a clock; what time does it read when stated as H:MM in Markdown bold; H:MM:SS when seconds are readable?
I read **7:46**
